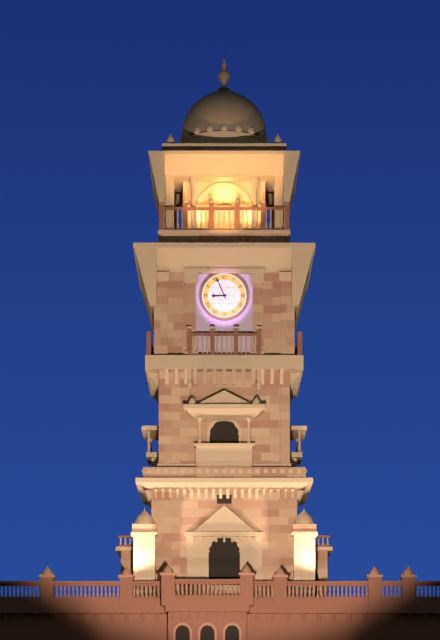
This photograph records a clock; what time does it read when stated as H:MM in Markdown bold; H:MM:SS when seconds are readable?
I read **8:56**
